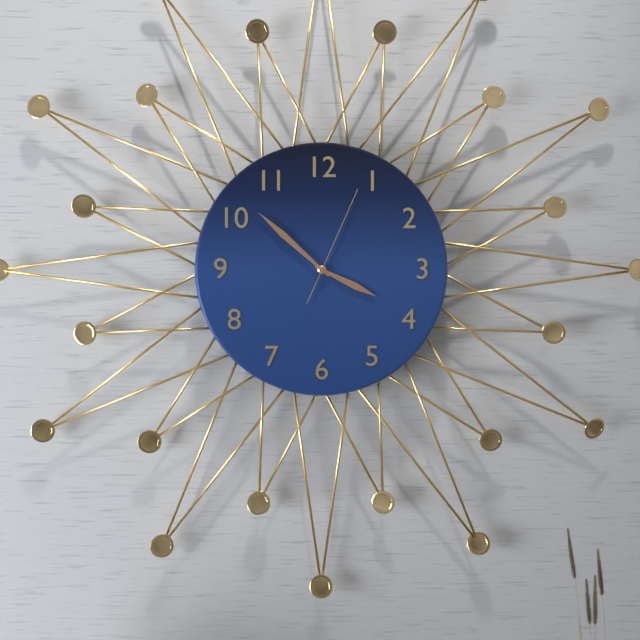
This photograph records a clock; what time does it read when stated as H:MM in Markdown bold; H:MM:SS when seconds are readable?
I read **3:52:04**
